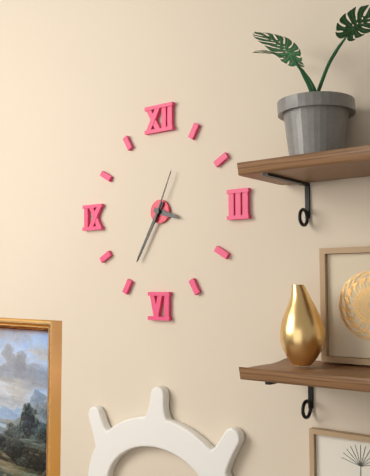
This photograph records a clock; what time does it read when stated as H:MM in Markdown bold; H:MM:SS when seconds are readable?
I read **3:35:04**
